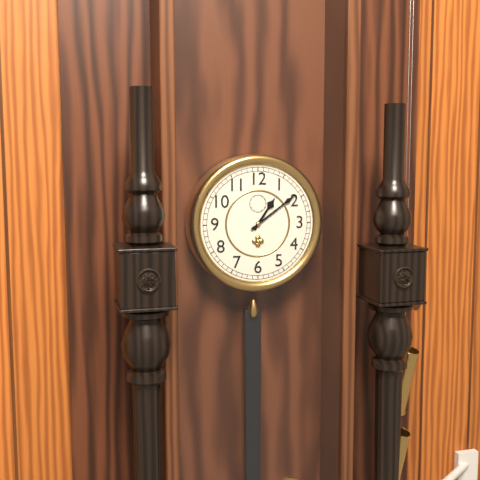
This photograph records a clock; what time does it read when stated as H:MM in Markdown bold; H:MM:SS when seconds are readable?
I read **1:09**
